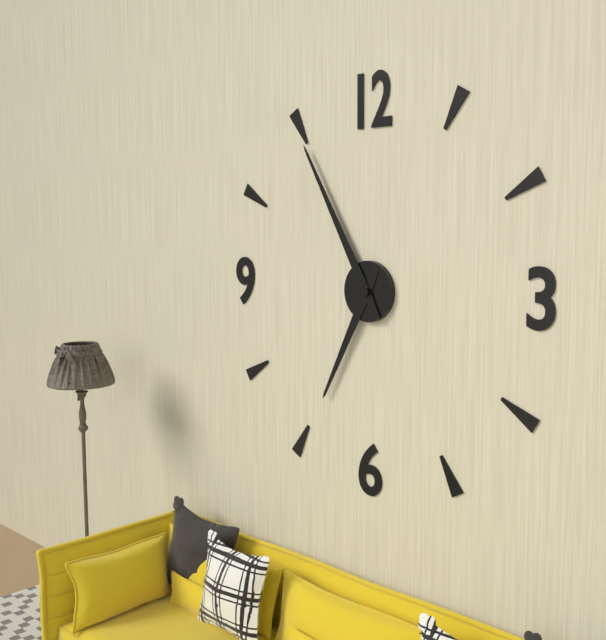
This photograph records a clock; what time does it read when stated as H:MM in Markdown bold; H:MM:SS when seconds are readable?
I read **6:55**
